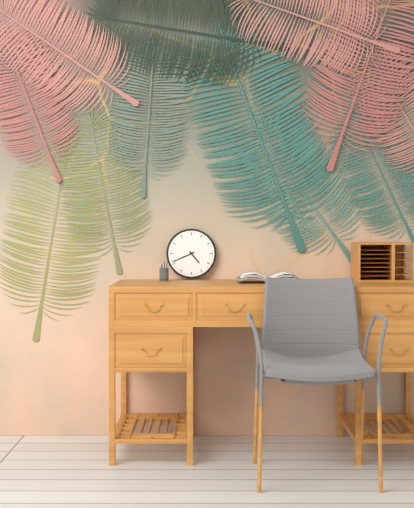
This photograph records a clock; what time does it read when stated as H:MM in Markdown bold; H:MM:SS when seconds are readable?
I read **4:41**
